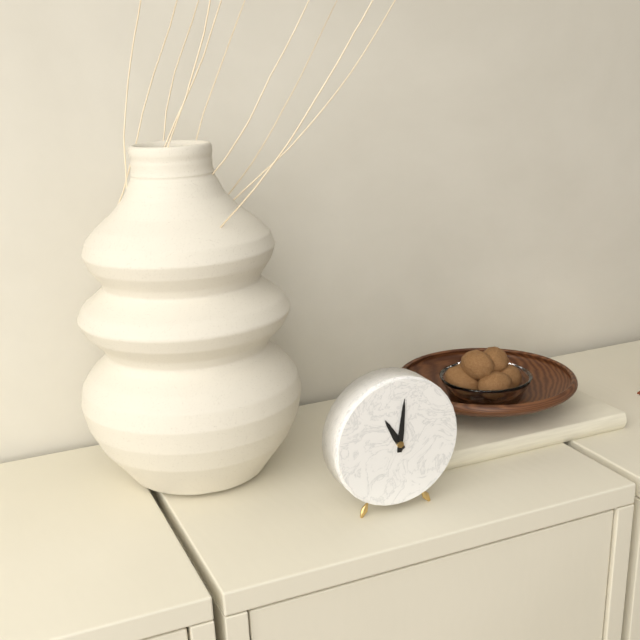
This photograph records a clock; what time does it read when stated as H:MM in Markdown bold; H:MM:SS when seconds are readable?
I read **11:01**
